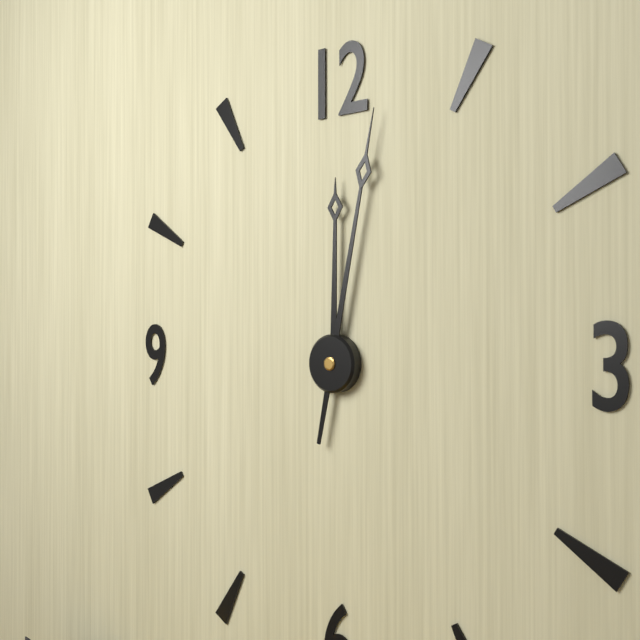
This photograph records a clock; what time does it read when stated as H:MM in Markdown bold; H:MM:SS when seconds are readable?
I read **12:02**
